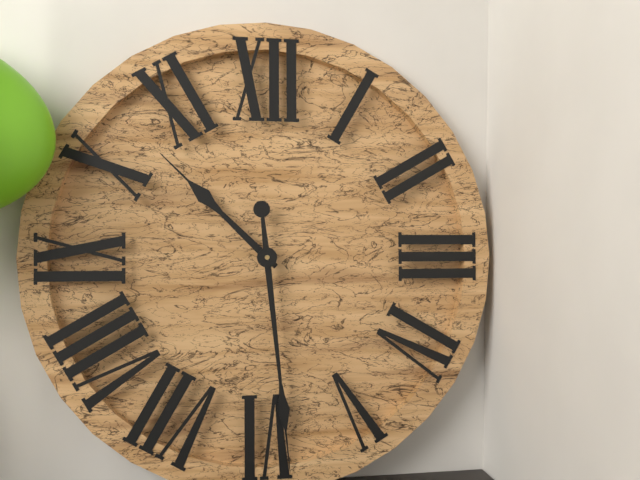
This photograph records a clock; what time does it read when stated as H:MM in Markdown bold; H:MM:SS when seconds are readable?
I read **10:29**
